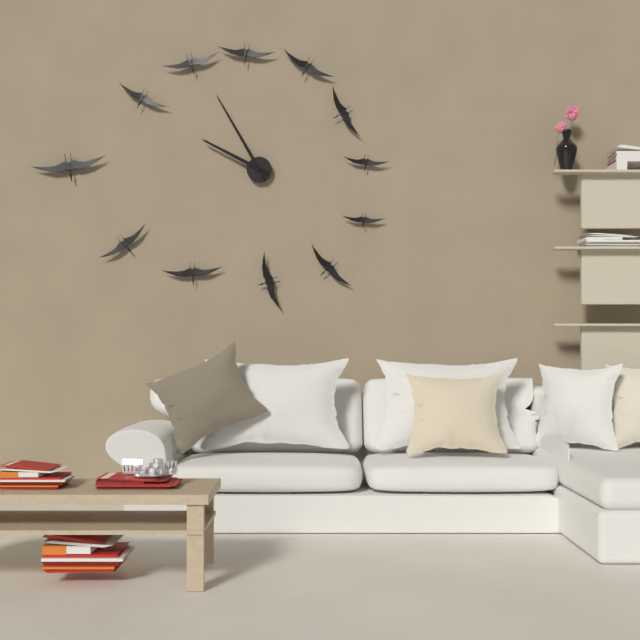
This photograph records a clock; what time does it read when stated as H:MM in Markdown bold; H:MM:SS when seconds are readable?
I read **9:55**
